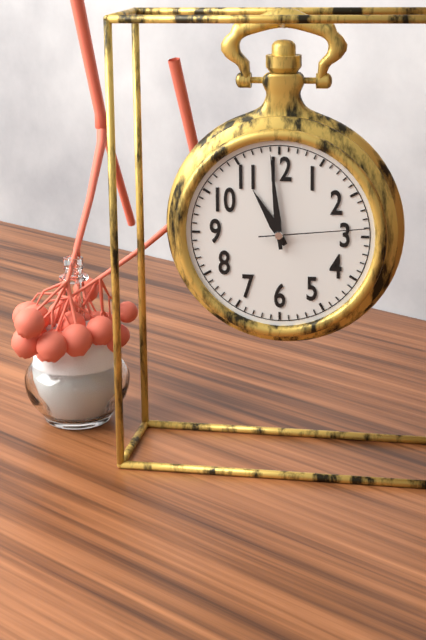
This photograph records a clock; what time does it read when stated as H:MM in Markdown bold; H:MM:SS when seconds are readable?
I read **10:59:14**
